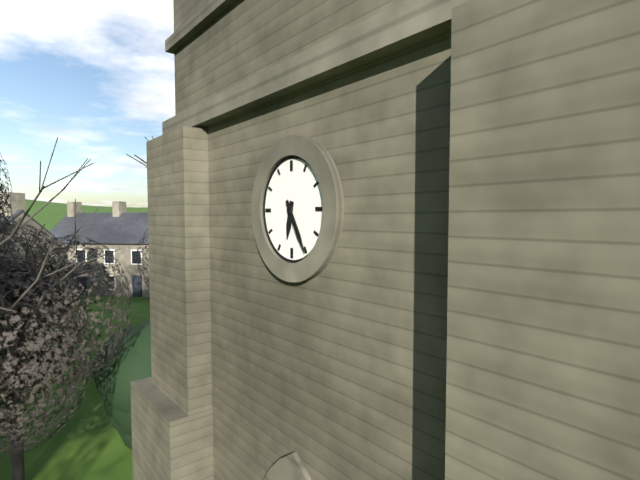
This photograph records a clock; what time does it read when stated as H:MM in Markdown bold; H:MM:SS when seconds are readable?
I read **6:25**
